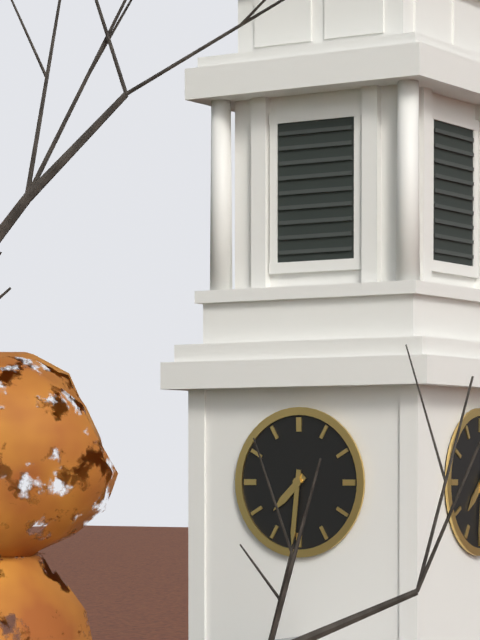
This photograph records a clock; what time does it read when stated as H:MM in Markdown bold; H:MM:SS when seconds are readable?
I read **7:31**
